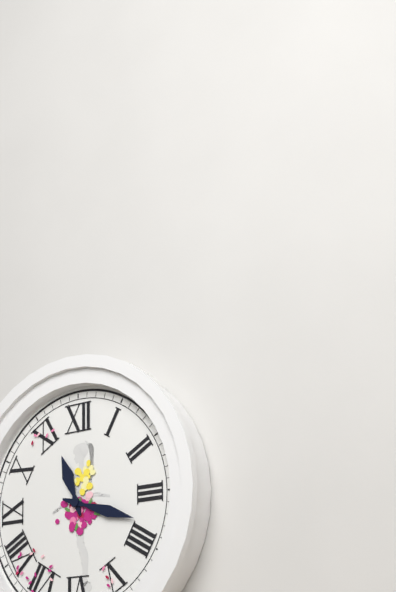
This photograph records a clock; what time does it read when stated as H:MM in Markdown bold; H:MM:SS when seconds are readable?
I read **11:18**
